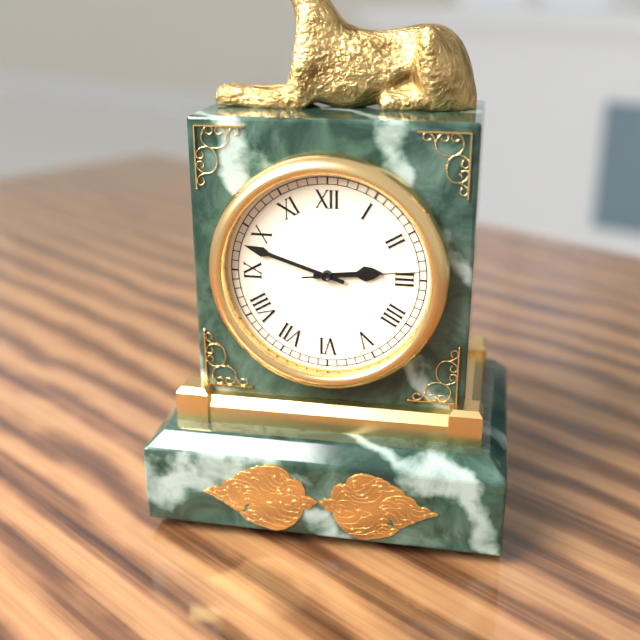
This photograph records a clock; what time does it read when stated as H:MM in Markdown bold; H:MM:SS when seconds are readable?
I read **2:48:14**
